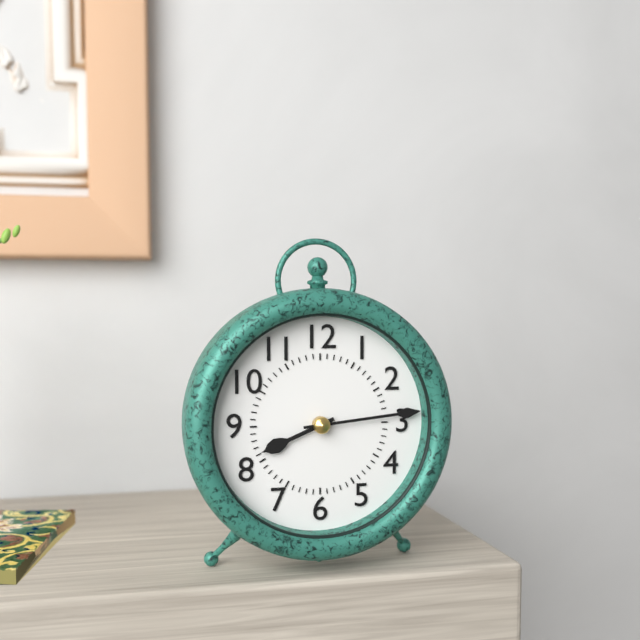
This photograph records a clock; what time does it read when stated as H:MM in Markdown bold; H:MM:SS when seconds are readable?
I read **8:14**
